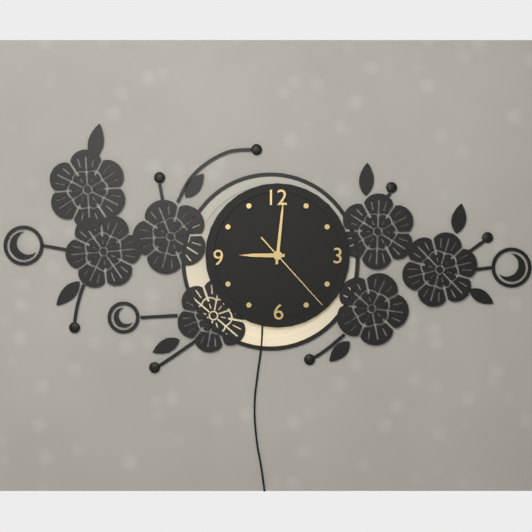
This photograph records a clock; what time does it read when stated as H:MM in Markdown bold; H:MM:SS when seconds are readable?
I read **9:01:23**
